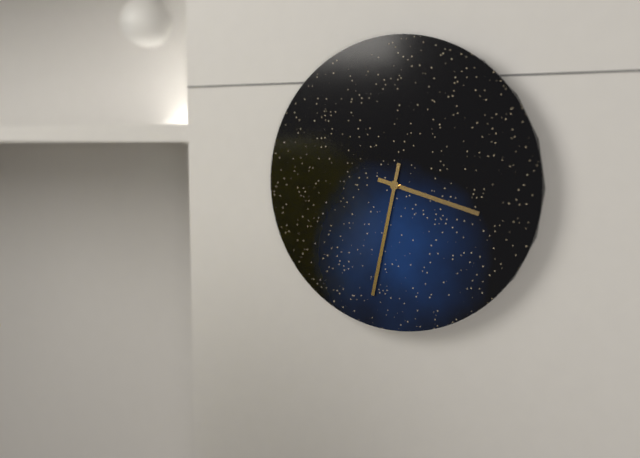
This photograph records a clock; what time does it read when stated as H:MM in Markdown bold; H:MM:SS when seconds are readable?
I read **3:32**
